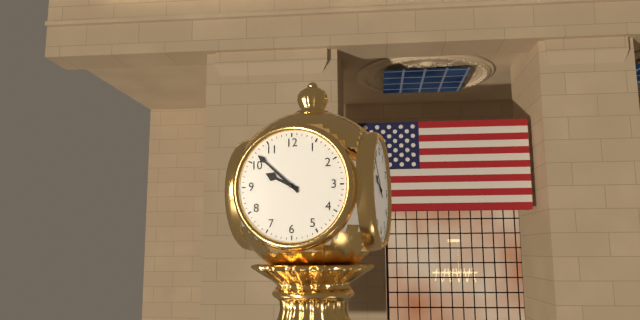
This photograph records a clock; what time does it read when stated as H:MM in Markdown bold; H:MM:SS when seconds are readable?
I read **9:52**
